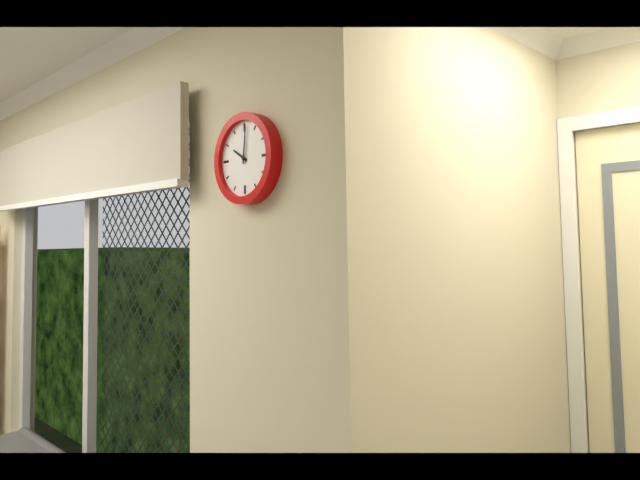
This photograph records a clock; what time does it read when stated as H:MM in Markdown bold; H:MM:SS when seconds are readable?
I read **10:01**
